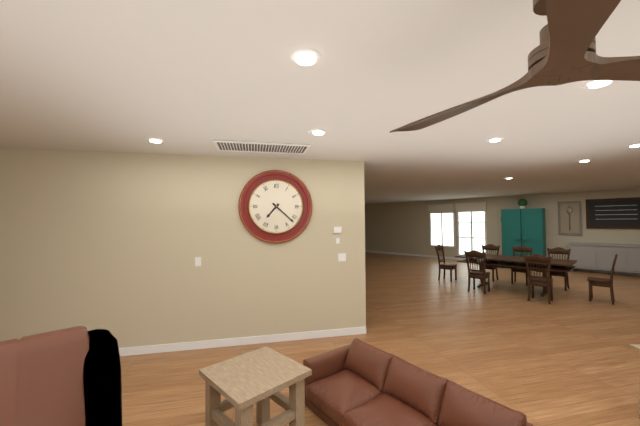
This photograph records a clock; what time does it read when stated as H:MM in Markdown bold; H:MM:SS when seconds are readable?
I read **7:22**
